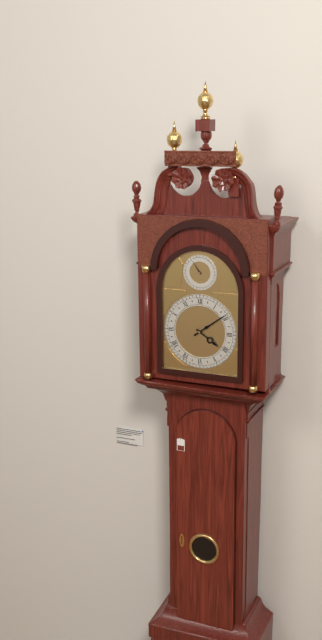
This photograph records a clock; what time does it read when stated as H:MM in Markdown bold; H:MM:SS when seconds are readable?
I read **4:09**
